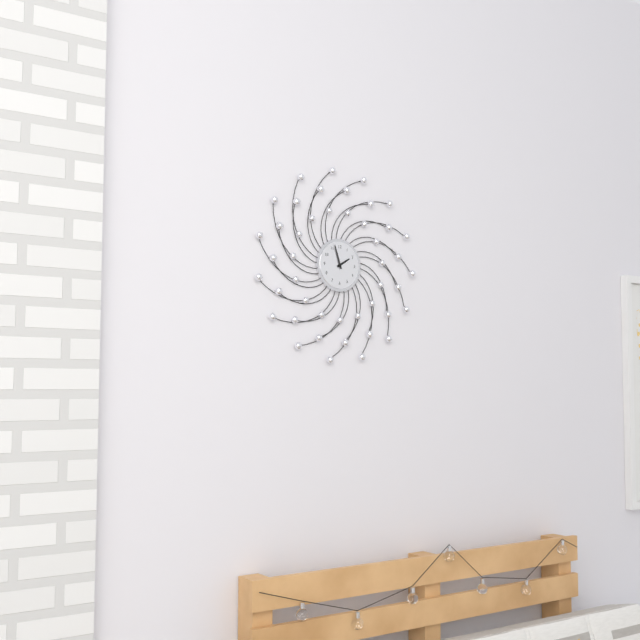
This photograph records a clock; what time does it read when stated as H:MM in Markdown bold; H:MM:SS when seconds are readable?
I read **1:57**
